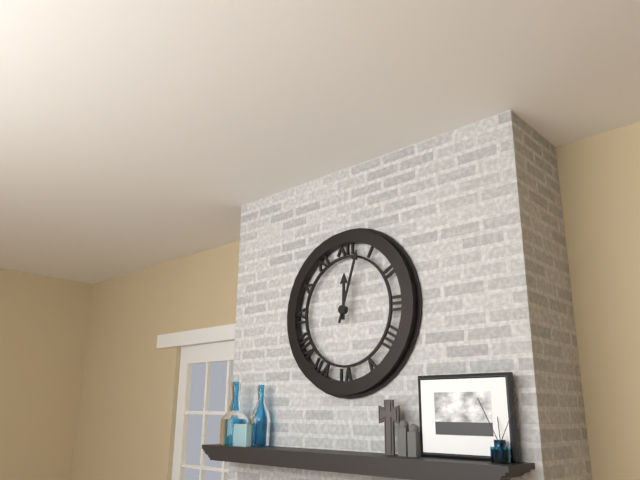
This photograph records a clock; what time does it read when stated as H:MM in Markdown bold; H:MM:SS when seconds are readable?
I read **12:03**
